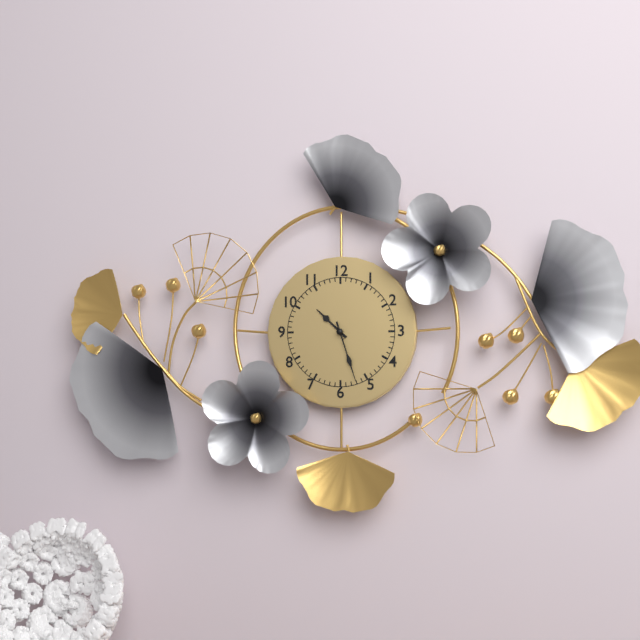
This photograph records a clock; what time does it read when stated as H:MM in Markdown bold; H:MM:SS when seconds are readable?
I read **10:27**
